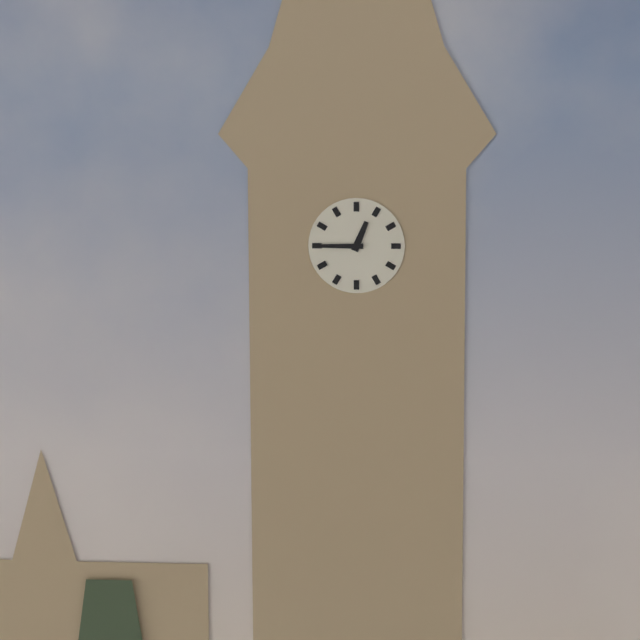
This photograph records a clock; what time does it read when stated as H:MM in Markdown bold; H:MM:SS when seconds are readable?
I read **12:45**
